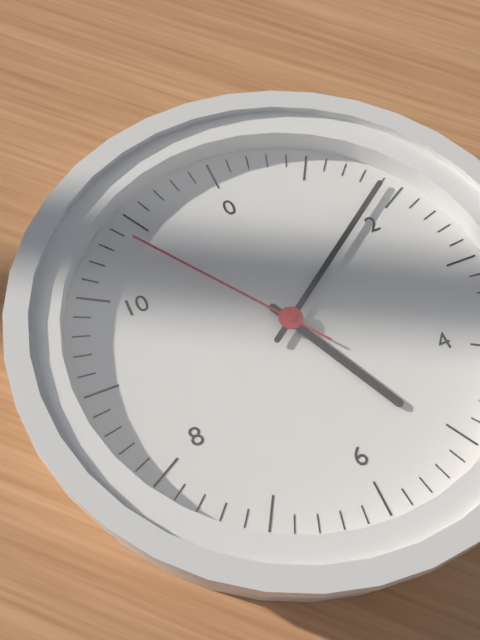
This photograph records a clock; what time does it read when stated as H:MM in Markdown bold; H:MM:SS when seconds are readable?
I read **5:09:54**
